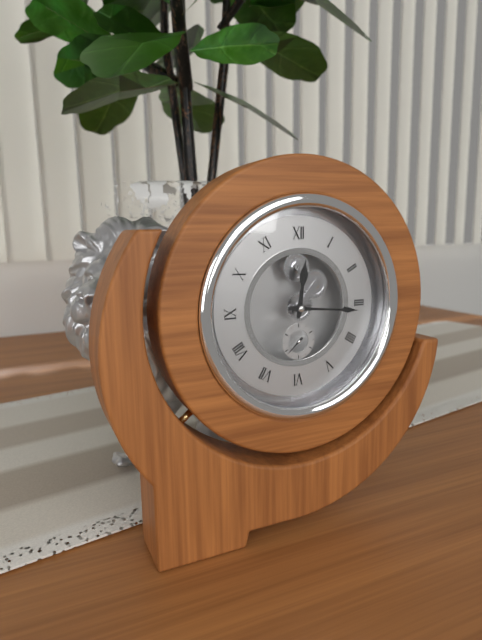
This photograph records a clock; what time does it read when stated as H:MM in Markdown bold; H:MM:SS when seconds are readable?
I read **12:16**
